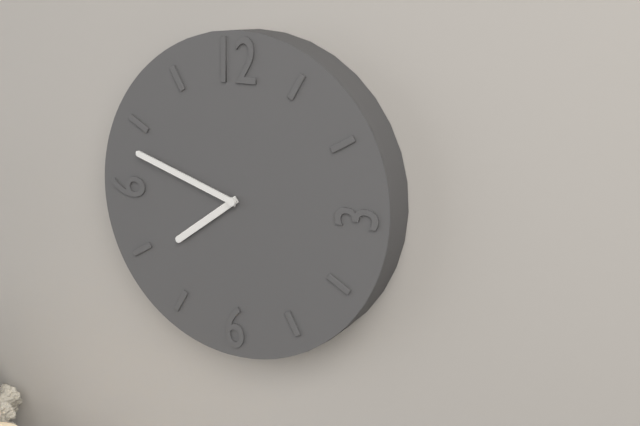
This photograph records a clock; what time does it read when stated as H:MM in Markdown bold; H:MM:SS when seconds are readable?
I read **7:48**
